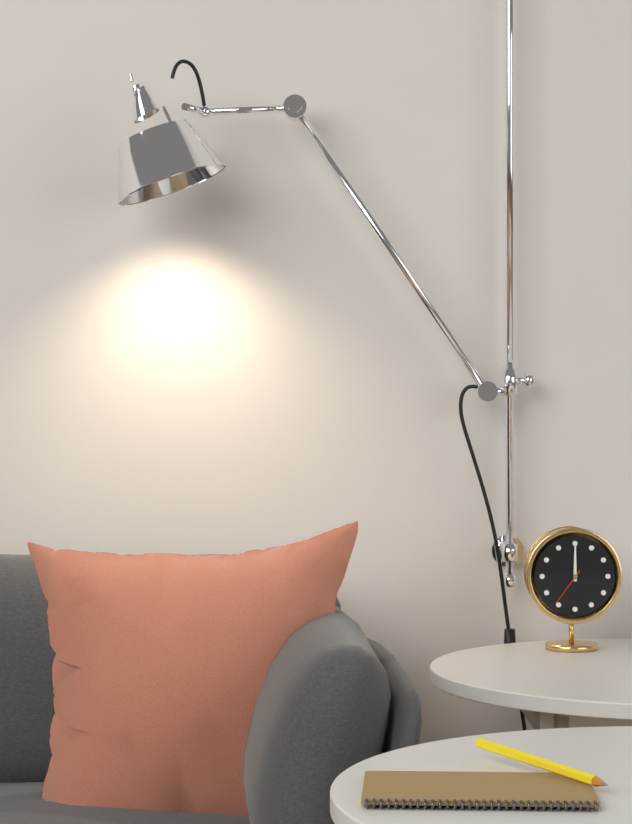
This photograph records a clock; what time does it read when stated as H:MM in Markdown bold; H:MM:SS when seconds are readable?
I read **12:00**
